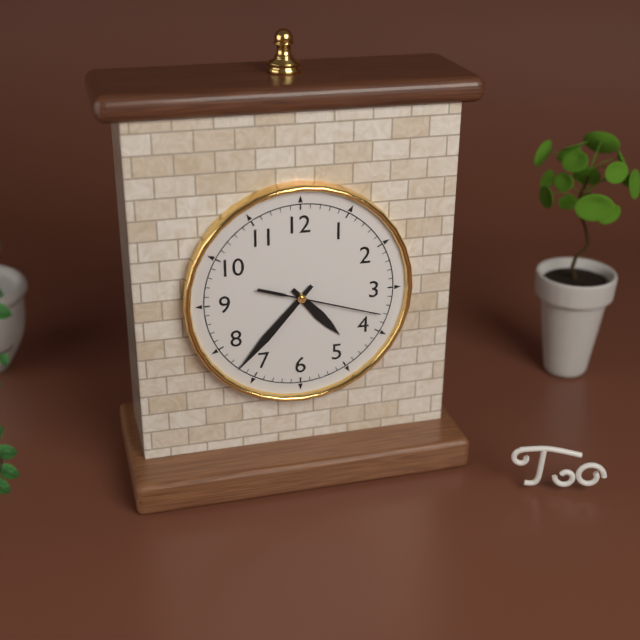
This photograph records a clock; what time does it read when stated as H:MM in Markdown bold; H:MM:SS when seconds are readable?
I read **4:37:18**
